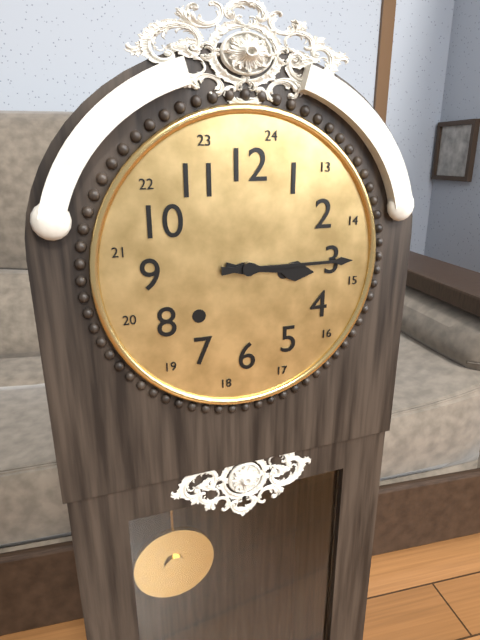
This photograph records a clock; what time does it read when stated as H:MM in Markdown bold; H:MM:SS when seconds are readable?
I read **3:15**
